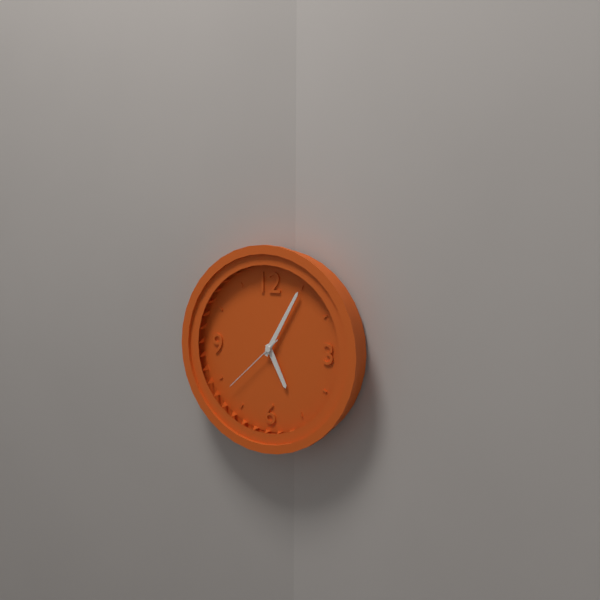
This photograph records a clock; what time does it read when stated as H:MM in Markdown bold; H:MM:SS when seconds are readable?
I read **5:05:38**
